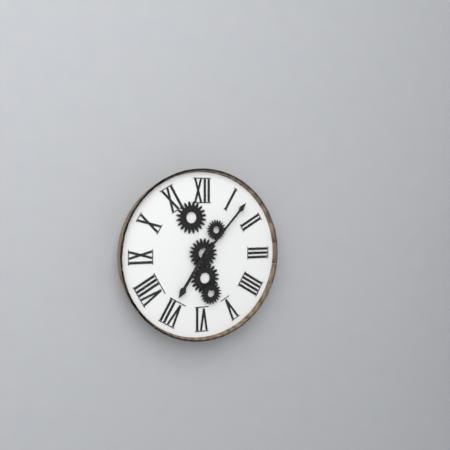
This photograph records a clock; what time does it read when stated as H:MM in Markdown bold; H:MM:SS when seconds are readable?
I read **7:07**
